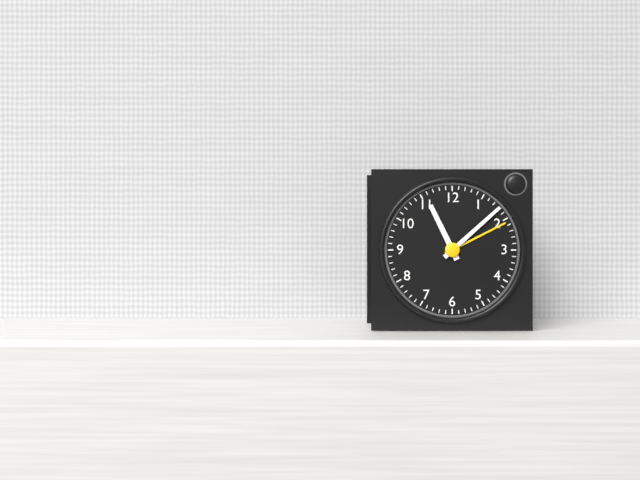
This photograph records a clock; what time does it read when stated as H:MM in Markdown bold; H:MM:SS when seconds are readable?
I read **11:08**
